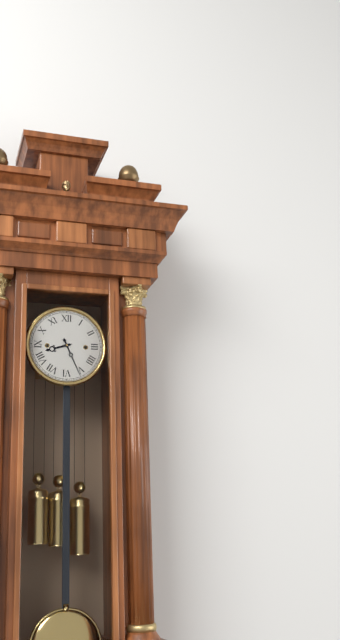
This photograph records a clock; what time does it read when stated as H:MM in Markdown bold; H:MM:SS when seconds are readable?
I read **8:26**
